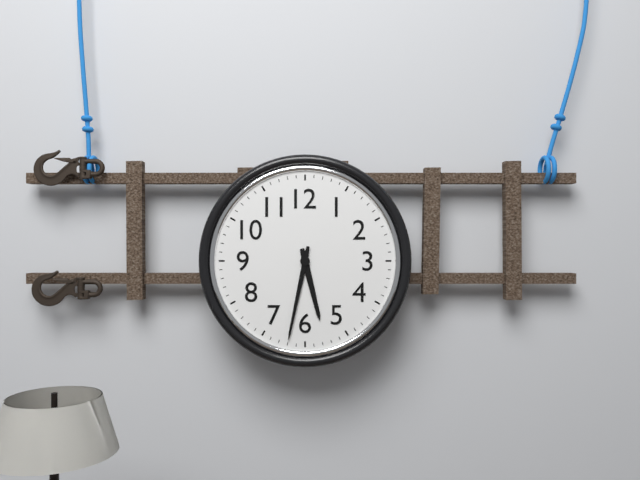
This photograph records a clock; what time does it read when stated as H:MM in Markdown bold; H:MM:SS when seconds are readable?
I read **5:32**
